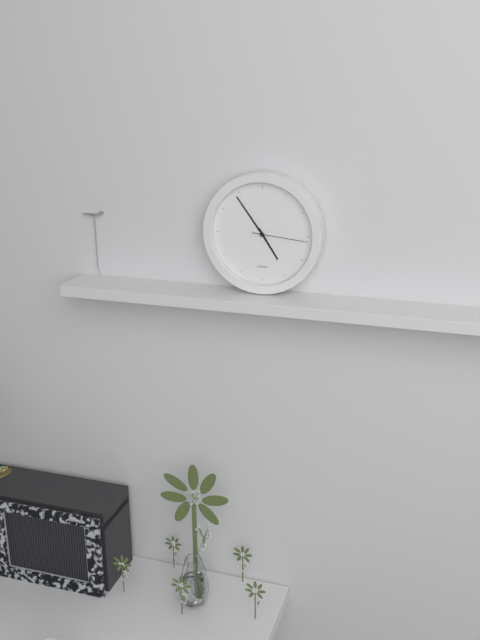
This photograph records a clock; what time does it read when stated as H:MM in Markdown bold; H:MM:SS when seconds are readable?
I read **4:54:16**
